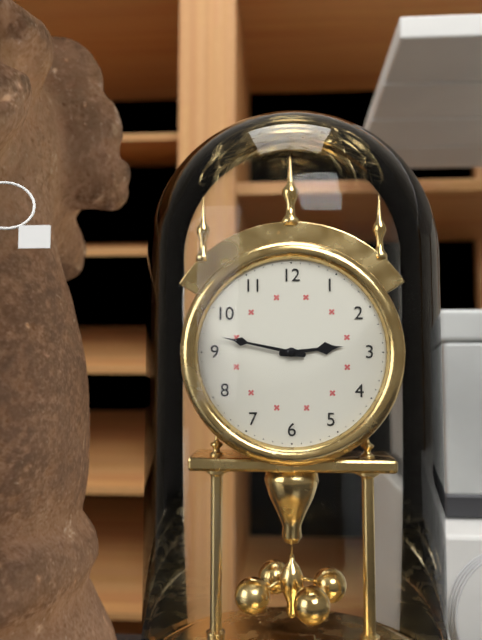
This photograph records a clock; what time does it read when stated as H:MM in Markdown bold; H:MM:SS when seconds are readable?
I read **2:47**
